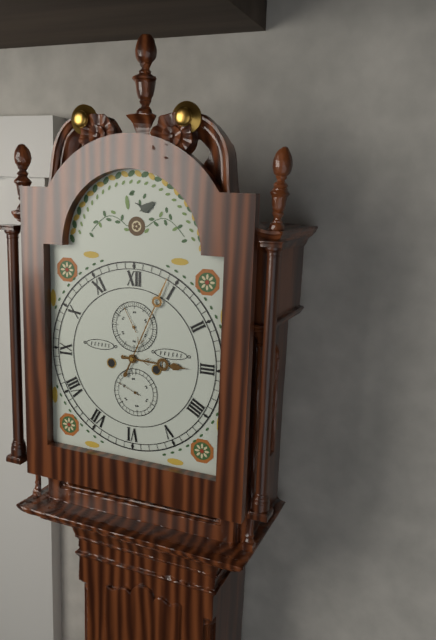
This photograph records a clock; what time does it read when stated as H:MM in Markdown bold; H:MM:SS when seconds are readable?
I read **3:04**
